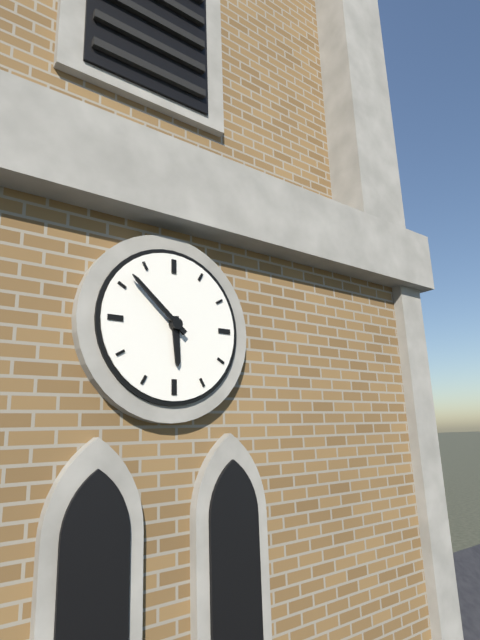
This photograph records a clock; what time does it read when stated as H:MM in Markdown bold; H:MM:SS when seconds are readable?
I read **5:52**
